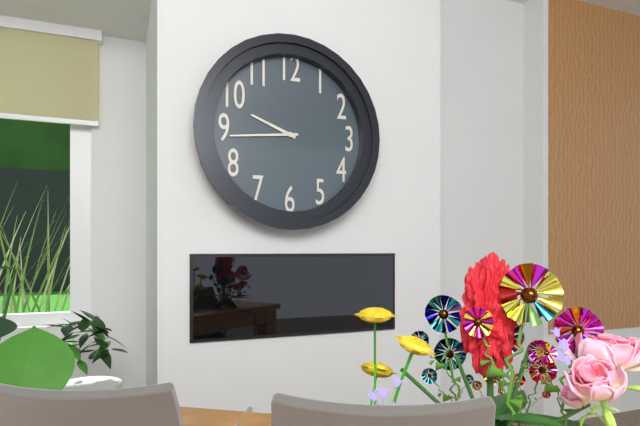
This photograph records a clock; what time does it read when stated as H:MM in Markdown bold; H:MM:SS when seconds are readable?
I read **9:44**
